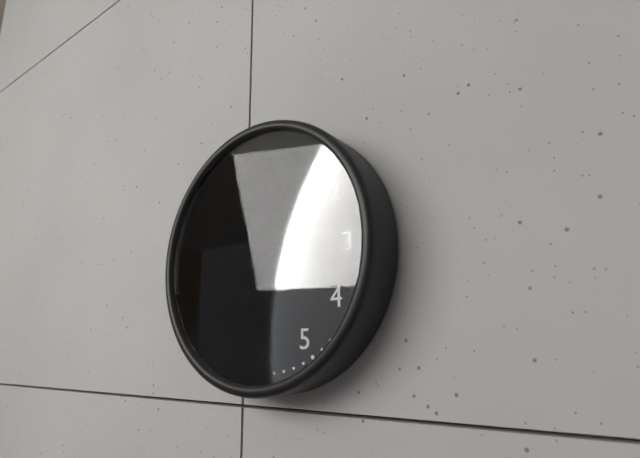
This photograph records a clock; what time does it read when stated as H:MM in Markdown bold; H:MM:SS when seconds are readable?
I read **1:56**
